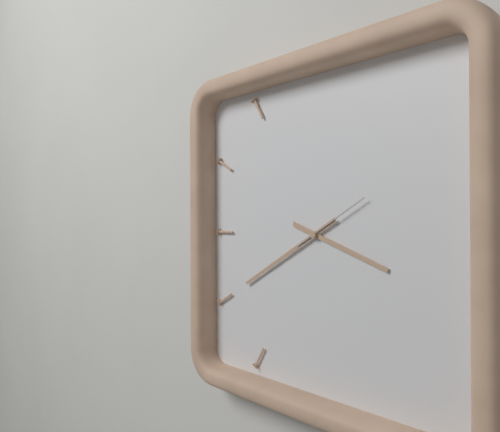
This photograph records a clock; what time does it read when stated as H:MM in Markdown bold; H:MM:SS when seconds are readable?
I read **3:40:10**
